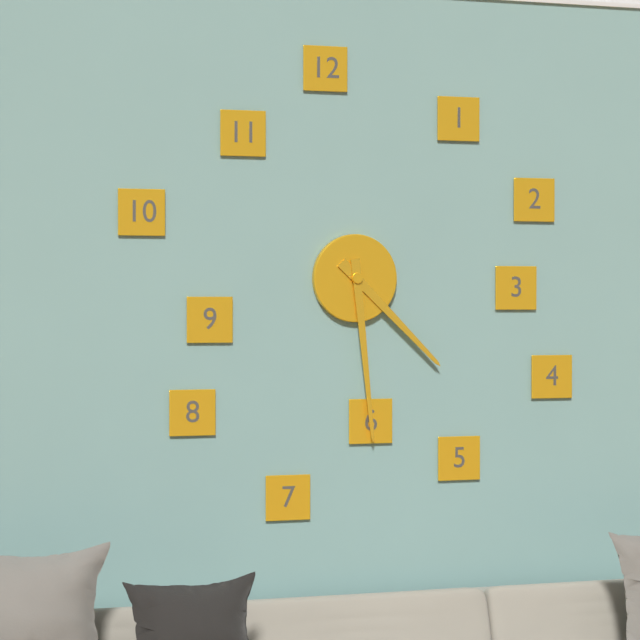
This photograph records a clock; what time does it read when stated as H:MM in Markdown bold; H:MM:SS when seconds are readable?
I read **4:29**
